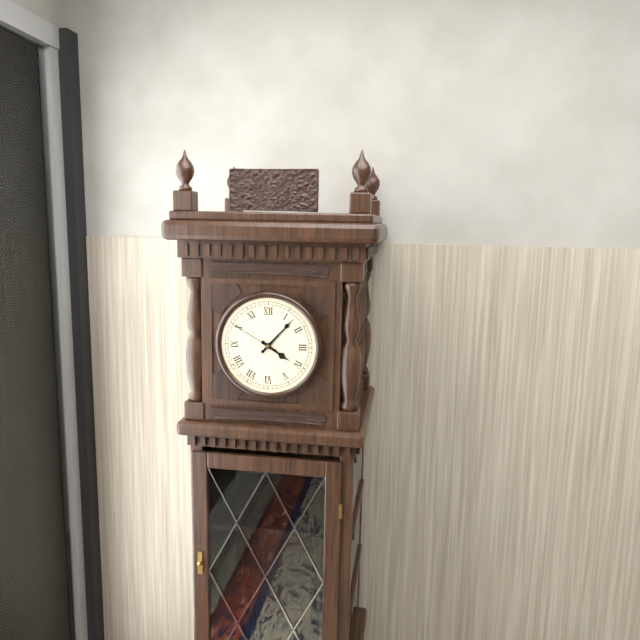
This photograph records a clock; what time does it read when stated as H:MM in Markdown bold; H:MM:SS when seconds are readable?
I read **4:07:50**
